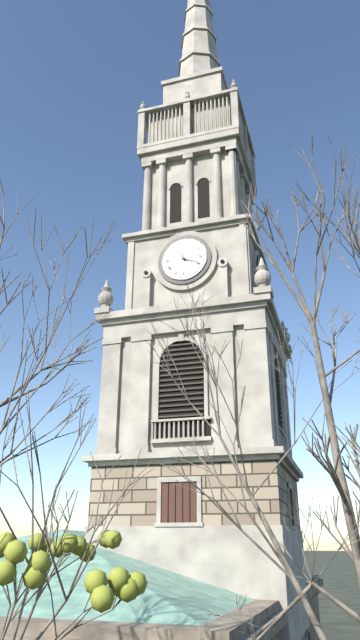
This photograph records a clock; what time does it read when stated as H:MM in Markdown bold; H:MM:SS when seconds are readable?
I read **11:19**
